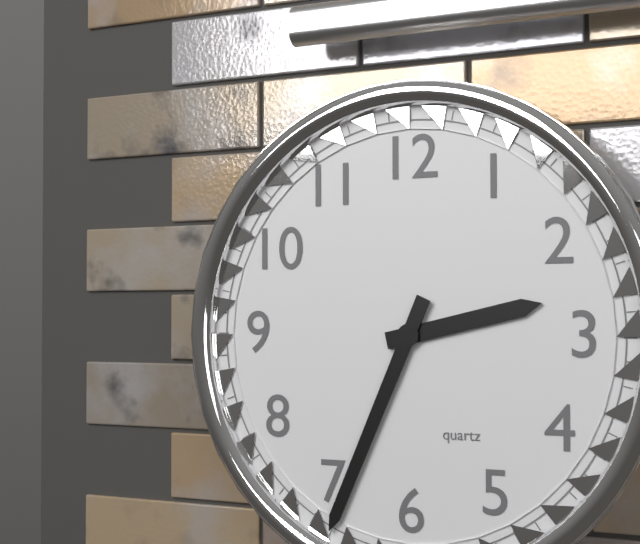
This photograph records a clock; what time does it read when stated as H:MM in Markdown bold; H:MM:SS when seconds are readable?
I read **2:34**
